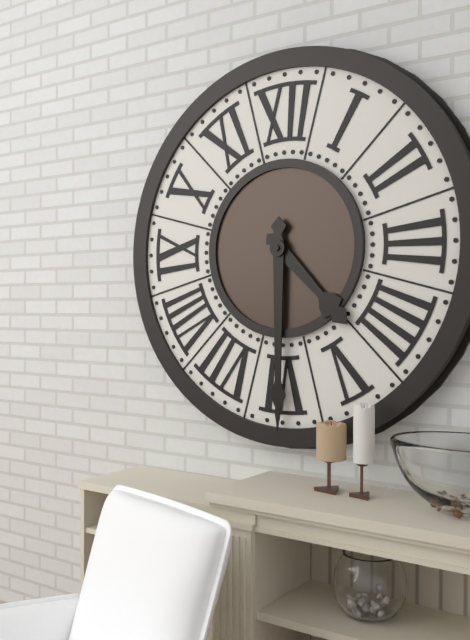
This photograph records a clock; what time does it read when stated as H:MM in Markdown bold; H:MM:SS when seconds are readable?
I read **4:30**
